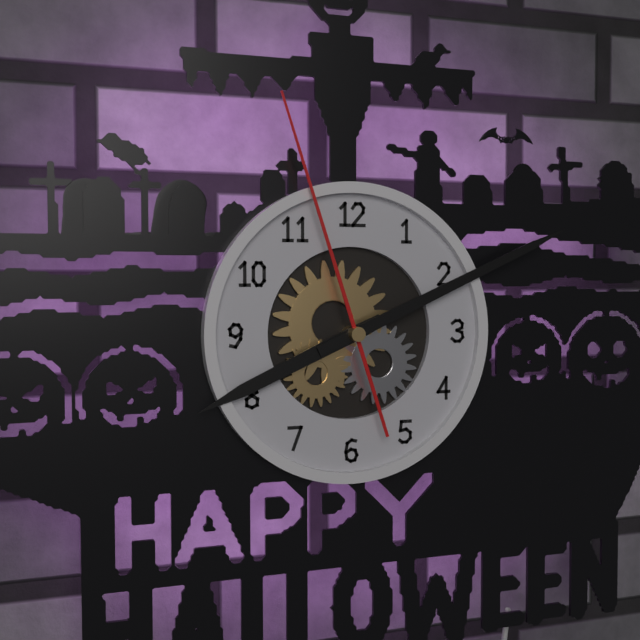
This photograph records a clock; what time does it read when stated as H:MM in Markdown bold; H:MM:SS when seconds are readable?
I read **8:11:57**
